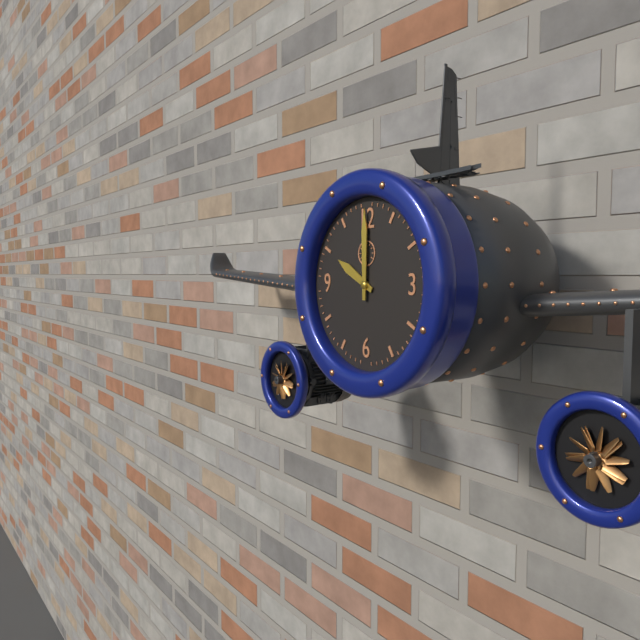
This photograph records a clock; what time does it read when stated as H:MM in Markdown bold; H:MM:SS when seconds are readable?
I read **10:00**
